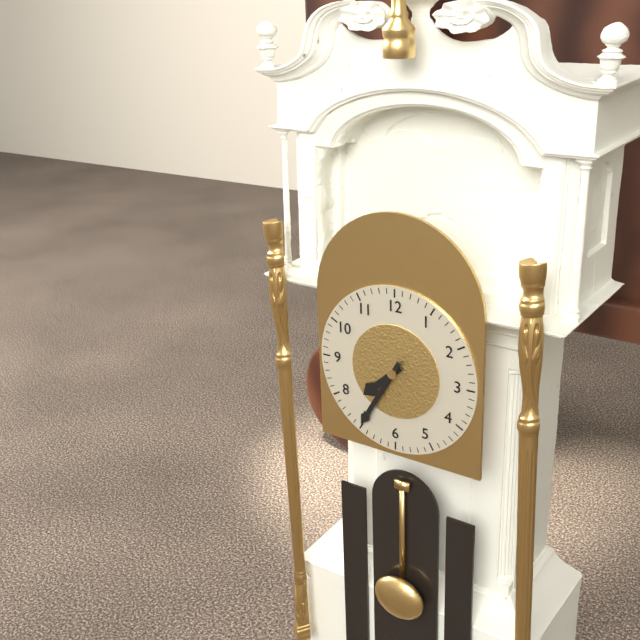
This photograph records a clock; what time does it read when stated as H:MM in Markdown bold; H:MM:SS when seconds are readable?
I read **7:35**
